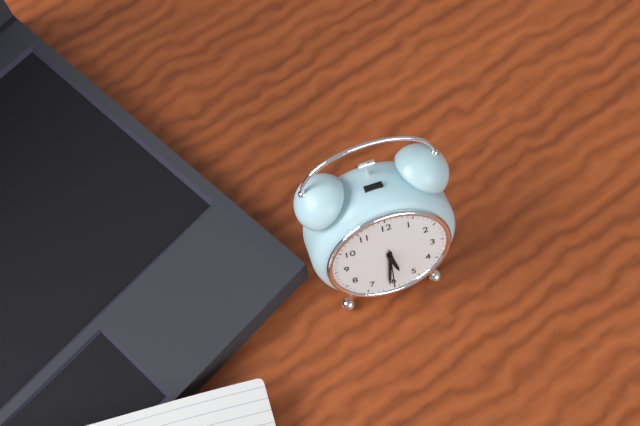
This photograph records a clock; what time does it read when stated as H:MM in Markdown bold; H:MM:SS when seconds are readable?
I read **5:31**
